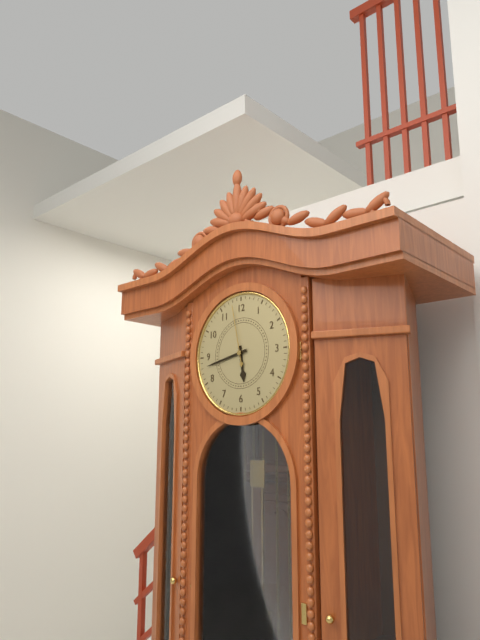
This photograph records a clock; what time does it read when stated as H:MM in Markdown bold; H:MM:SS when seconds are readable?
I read **5:43:58**
